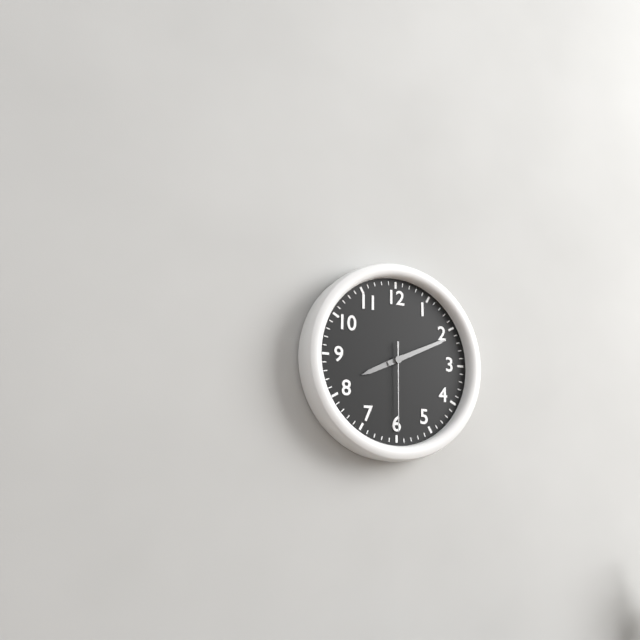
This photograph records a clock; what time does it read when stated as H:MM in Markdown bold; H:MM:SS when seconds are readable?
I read **8:11:30**
